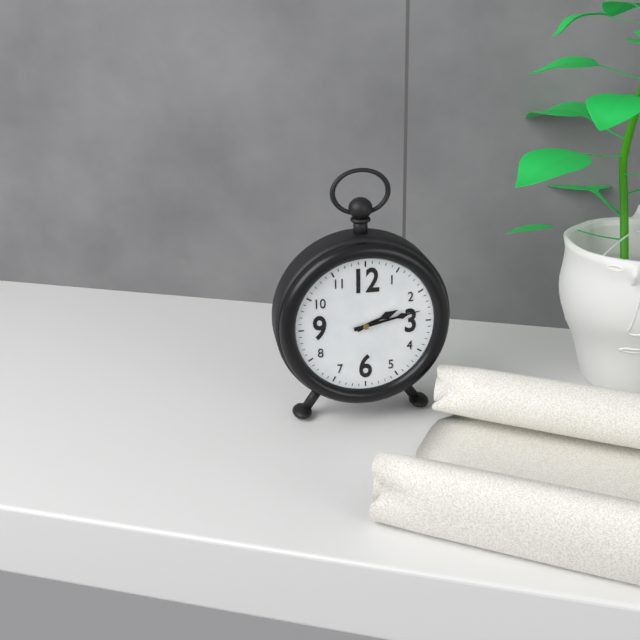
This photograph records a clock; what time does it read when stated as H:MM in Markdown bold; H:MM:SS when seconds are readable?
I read **2:13**
